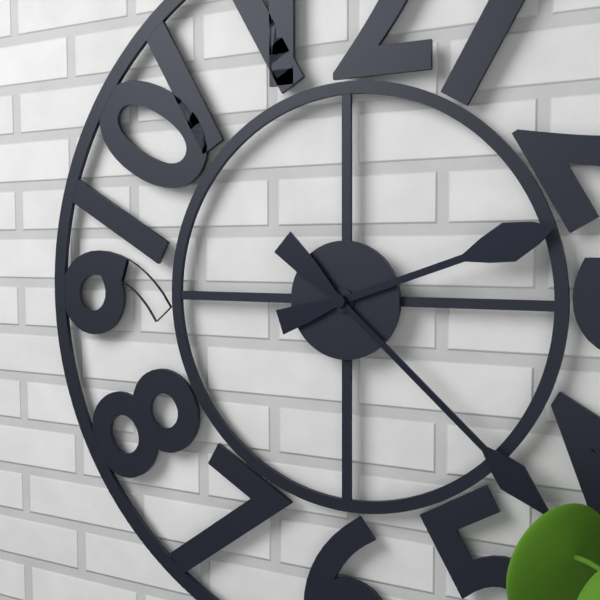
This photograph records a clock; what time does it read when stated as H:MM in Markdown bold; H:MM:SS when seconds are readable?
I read **2:22**
